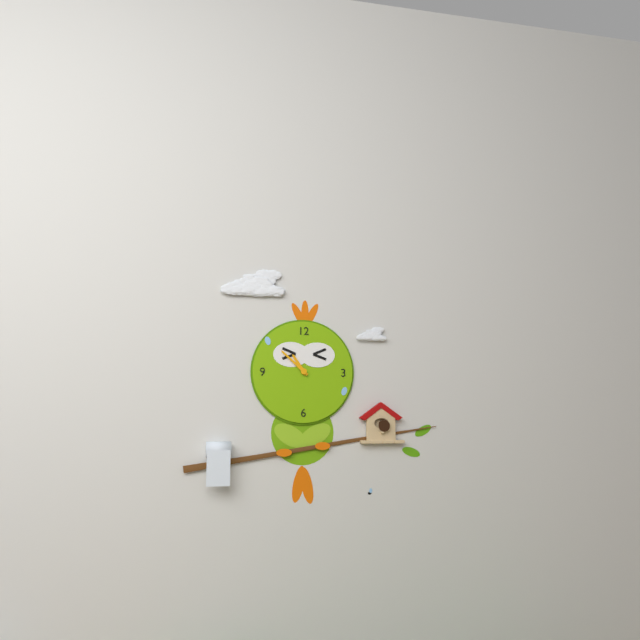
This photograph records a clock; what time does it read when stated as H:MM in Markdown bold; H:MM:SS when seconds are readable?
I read **10:52**
